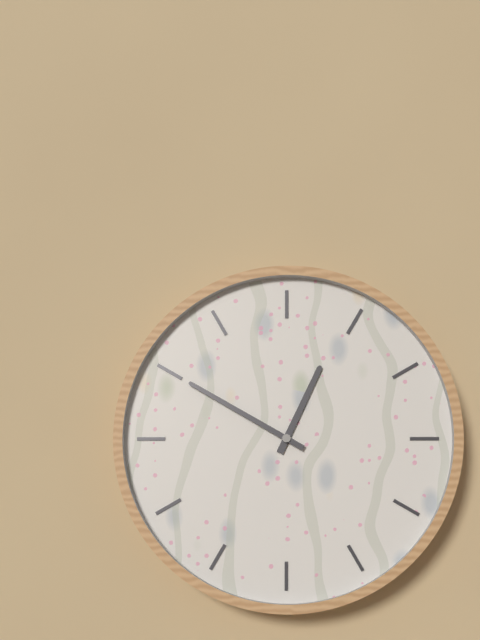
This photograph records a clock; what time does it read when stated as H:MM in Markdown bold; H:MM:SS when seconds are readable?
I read **12:50**
